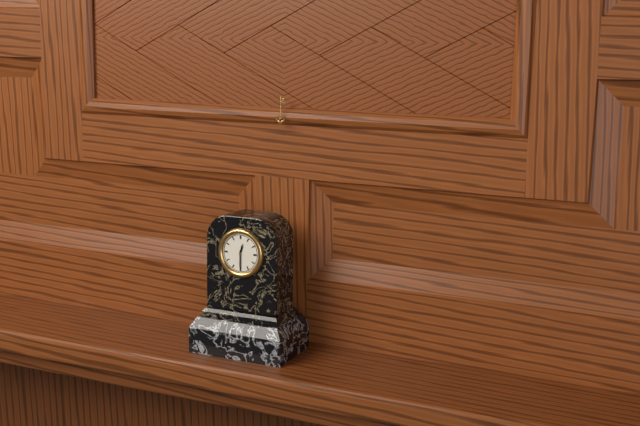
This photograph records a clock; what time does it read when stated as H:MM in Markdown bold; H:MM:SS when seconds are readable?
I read **12:30**
